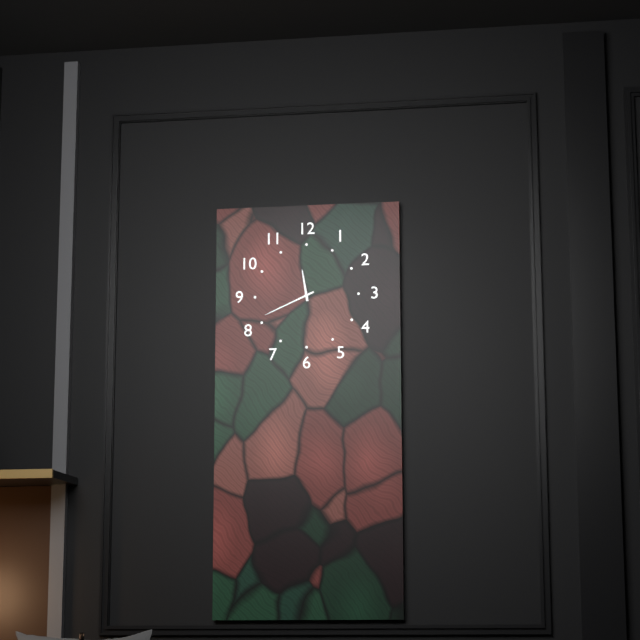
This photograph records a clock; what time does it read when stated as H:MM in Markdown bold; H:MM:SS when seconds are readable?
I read **11:41**
